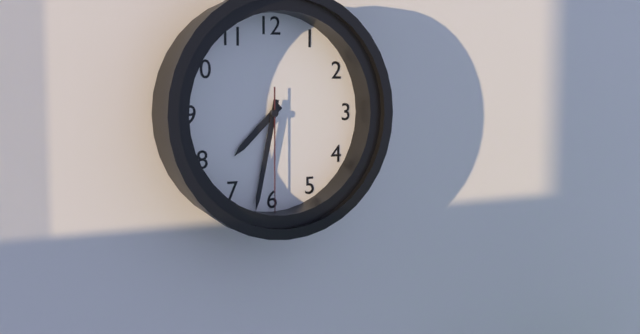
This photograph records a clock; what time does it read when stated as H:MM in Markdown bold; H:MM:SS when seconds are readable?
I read **7:32:30**
